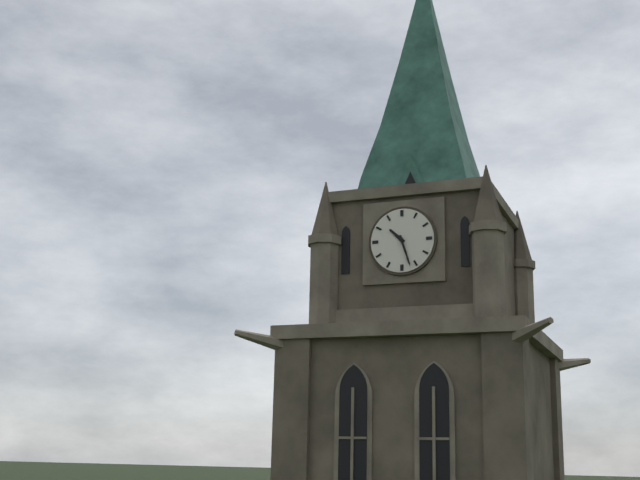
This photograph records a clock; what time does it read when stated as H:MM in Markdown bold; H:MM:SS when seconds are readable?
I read **10:27**
